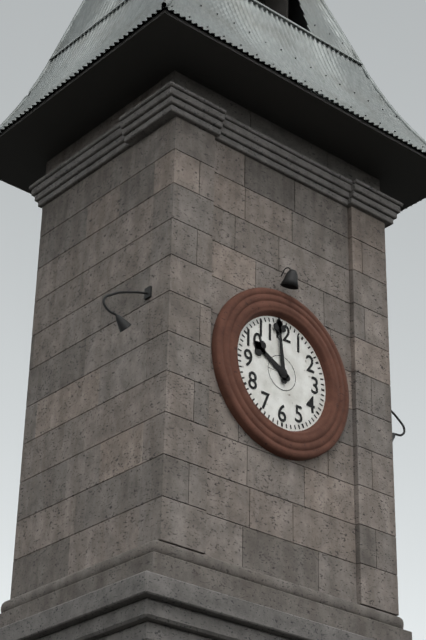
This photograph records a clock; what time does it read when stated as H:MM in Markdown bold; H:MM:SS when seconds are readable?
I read **9:59**
